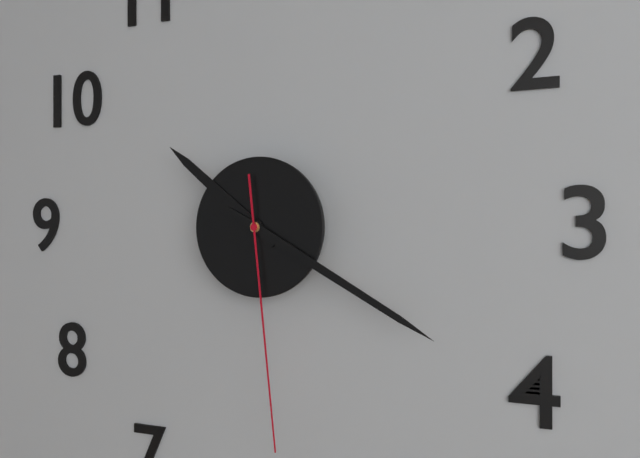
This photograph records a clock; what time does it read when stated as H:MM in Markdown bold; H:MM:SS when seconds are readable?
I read **10:20:29**
